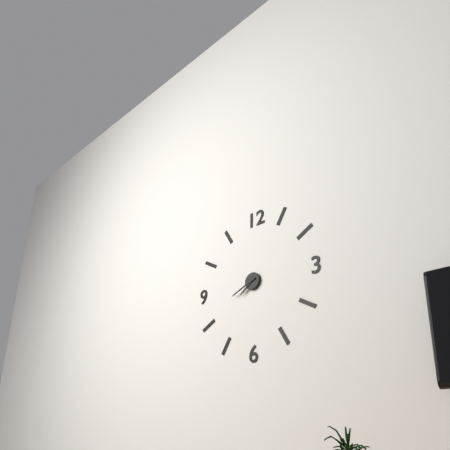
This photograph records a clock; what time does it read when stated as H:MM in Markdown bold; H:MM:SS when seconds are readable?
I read **7:41**
